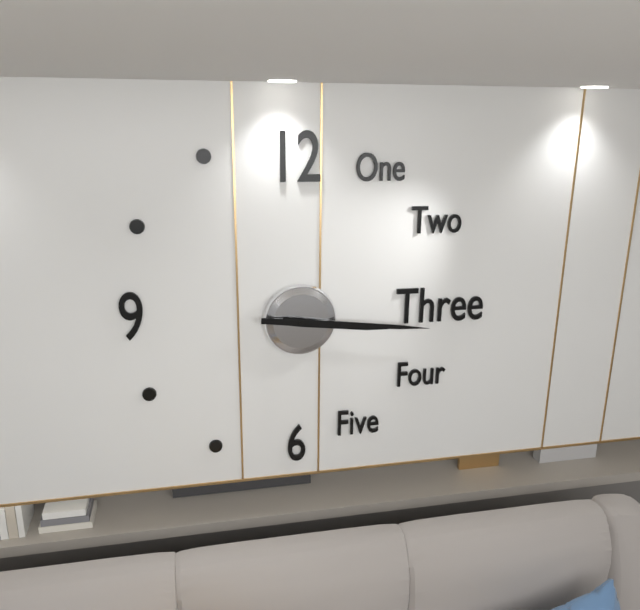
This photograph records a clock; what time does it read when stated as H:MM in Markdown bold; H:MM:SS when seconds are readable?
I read **3:16**
